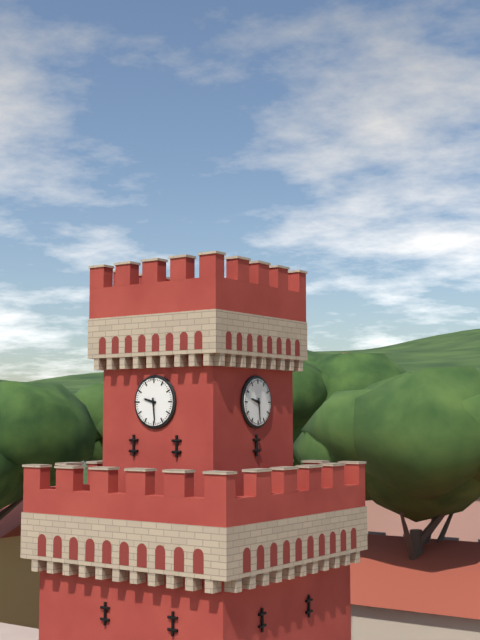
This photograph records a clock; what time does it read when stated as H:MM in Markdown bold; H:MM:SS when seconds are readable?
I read **9:29**
